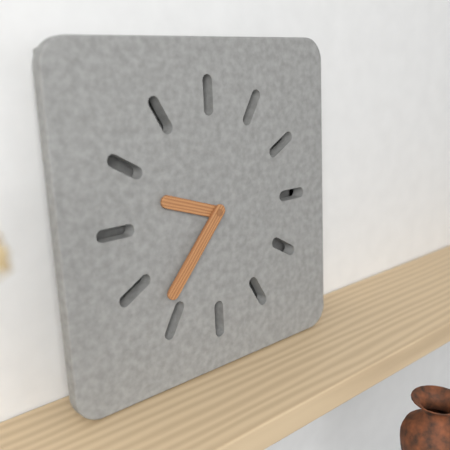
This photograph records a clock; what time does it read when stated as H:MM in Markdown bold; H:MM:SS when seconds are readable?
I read **9:37**
